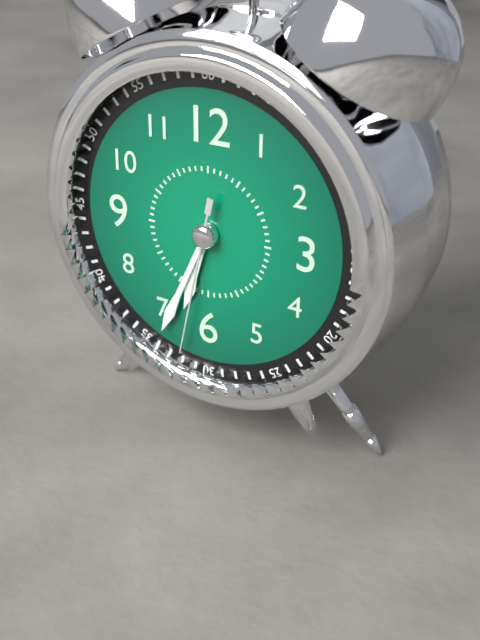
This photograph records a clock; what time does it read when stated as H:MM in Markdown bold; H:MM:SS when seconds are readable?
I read **6:34:32**
